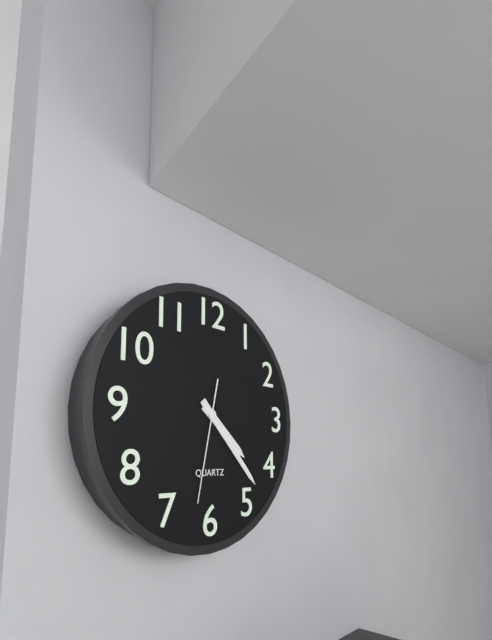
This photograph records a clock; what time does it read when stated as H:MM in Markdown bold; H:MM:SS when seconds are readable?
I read **4:23:32**
